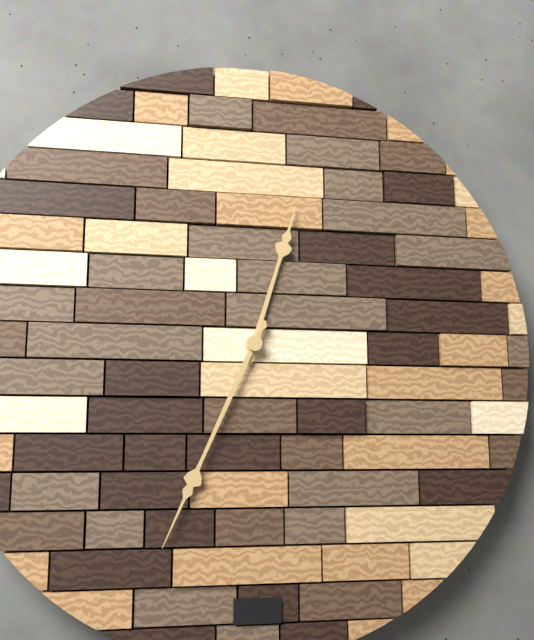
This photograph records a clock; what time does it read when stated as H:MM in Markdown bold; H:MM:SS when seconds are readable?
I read **12:34**
